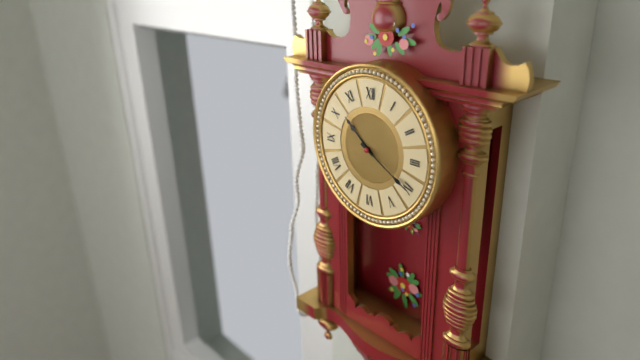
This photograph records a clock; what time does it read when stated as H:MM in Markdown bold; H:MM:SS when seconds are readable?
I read **10:20**
